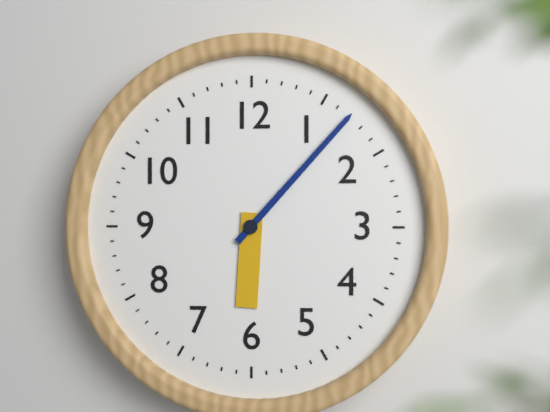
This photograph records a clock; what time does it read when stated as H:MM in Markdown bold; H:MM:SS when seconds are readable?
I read **6:07**
